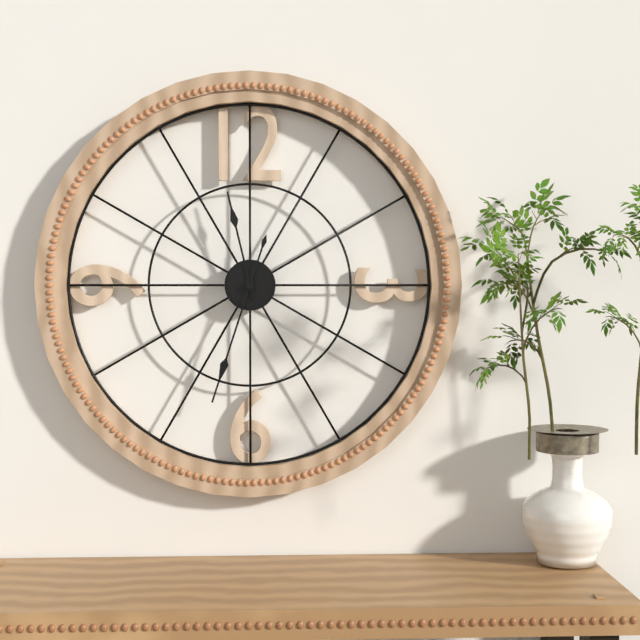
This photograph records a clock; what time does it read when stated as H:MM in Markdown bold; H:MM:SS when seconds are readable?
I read **11:33**
